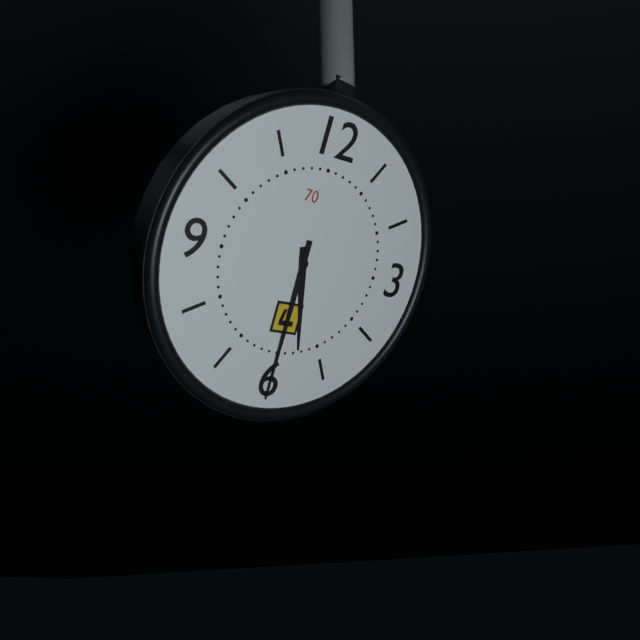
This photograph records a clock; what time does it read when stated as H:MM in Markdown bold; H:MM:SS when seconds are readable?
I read **5:30**
